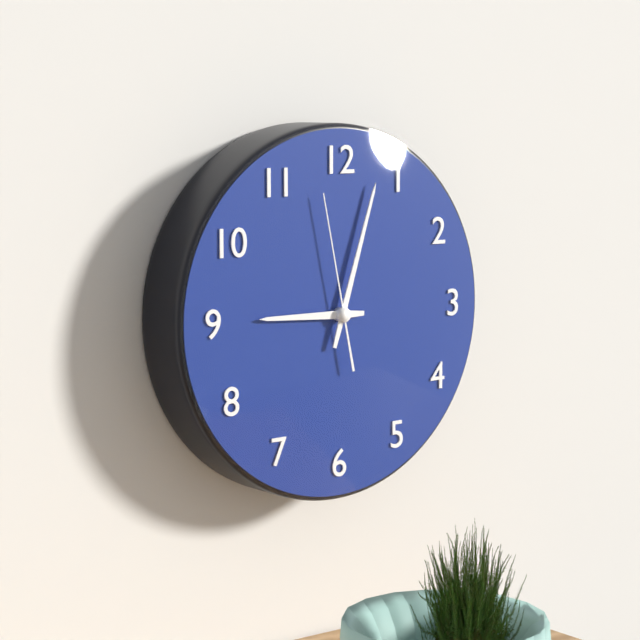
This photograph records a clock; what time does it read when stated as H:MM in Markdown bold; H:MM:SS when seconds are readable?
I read **9:03:58**
